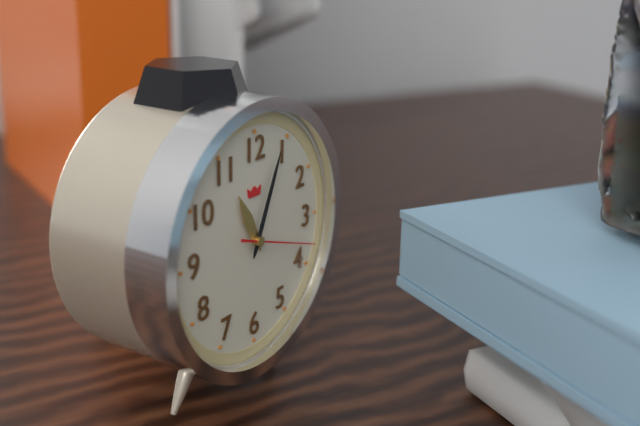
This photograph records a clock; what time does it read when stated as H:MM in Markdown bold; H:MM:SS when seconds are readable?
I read **11:04:18**
